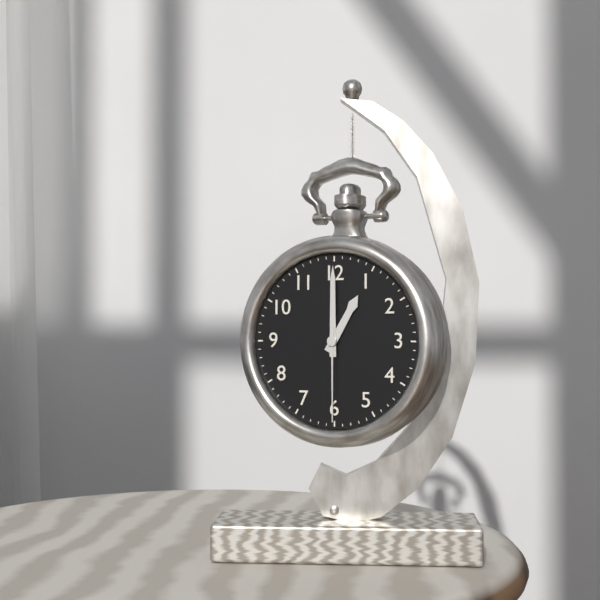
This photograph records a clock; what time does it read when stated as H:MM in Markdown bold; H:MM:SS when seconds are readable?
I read **1:00:30**
